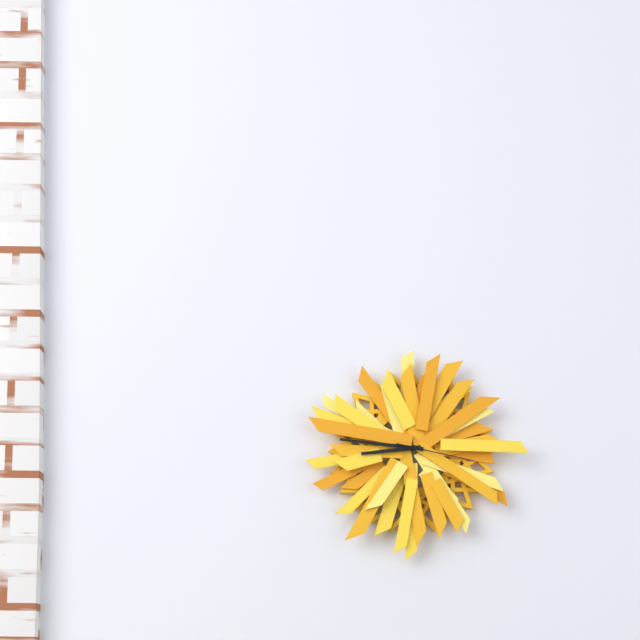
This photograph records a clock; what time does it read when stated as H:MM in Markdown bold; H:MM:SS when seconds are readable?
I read **8:46:17**
